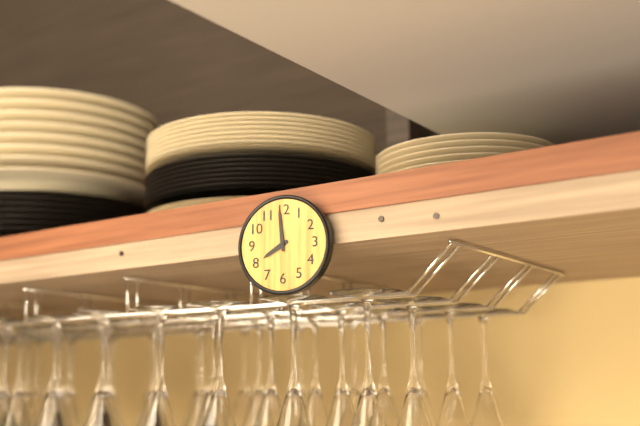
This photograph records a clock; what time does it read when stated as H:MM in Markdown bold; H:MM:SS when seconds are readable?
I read **7:59**
